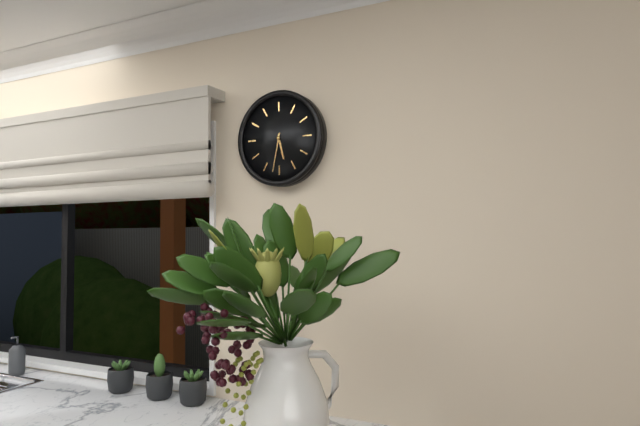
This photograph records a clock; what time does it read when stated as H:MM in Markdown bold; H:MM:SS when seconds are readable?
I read **5:32**
